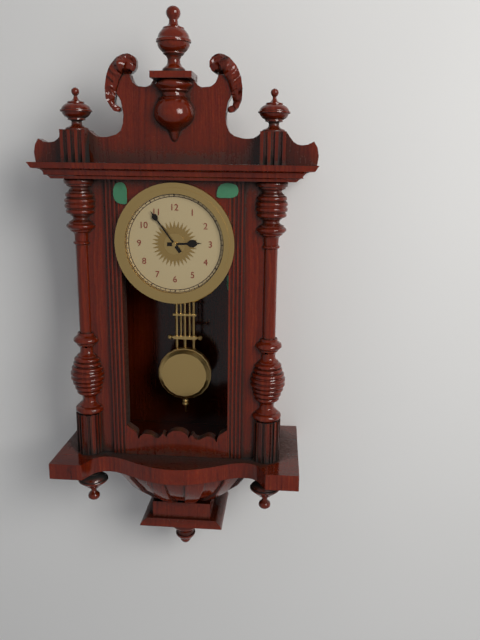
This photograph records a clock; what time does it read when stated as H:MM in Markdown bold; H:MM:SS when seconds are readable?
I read **2:54**
